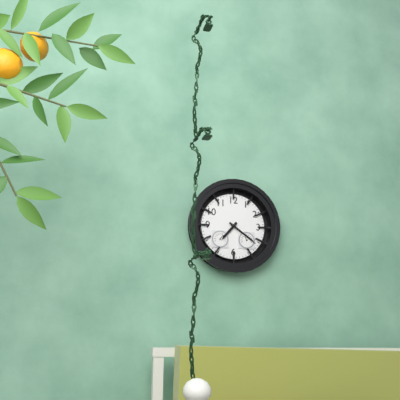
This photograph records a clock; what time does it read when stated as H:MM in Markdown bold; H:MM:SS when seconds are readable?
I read **7:21**
